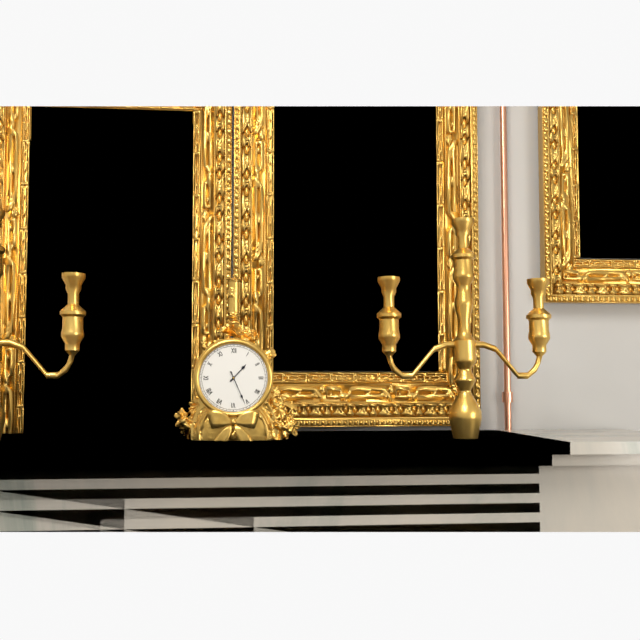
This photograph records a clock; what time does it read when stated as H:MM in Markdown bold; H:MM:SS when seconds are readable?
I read **1:26**
